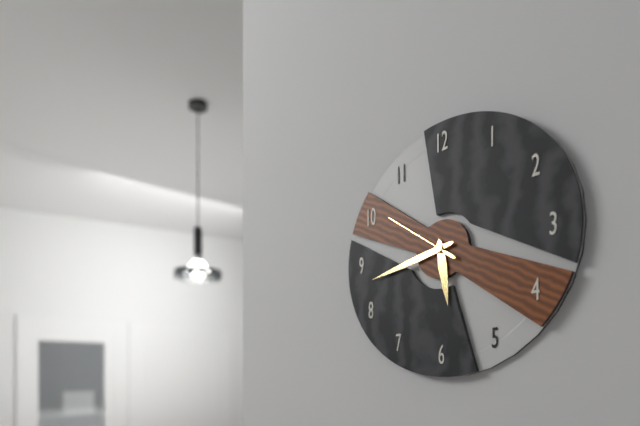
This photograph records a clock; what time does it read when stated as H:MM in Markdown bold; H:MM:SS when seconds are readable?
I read **5:43:51**
